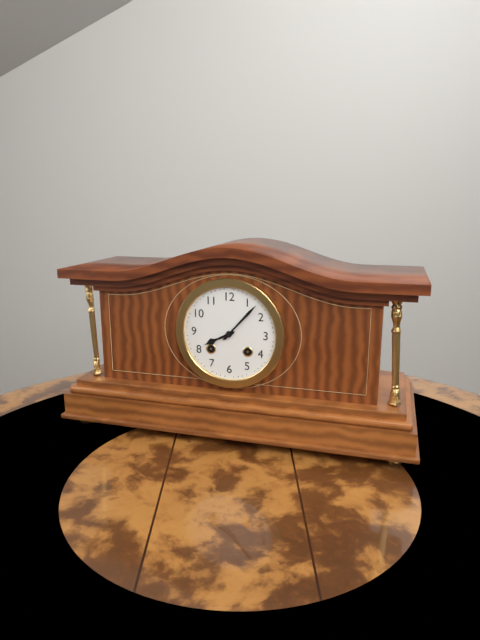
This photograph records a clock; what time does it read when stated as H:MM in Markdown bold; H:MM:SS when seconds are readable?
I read **8:07**
